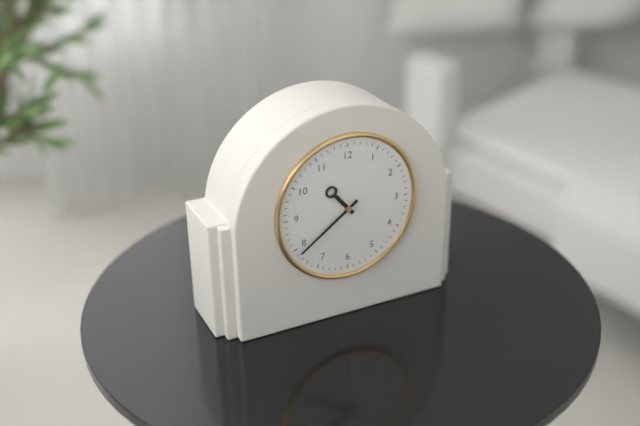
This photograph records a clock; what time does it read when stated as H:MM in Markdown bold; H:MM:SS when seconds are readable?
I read **10:39**
